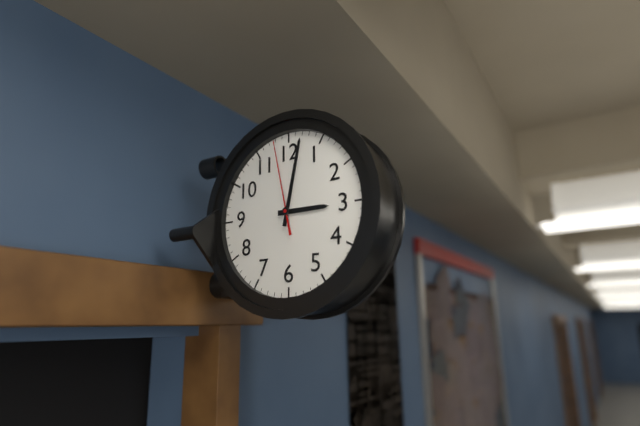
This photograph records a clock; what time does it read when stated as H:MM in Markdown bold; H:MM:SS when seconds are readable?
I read **3:02:58**
